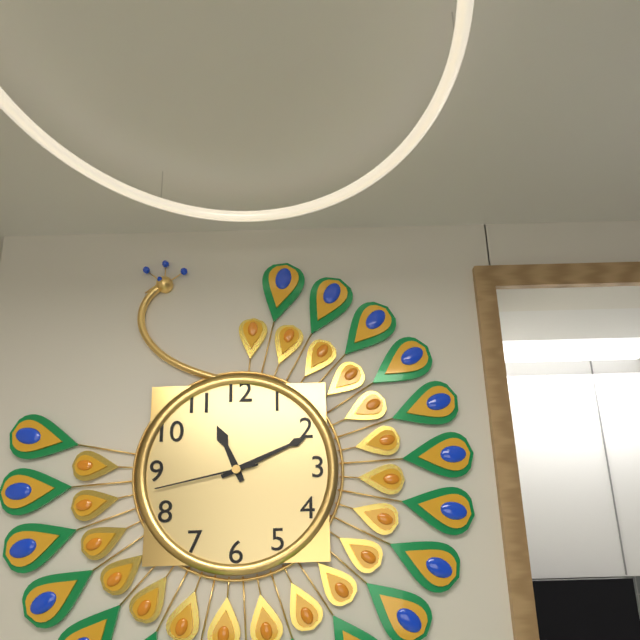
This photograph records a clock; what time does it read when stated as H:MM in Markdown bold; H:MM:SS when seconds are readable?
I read **11:11:43**
